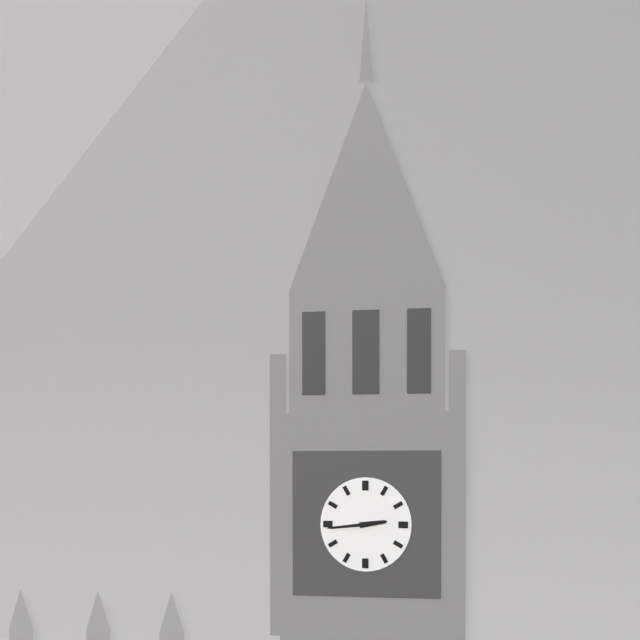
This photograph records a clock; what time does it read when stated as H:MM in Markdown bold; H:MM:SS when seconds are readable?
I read **2:44**
